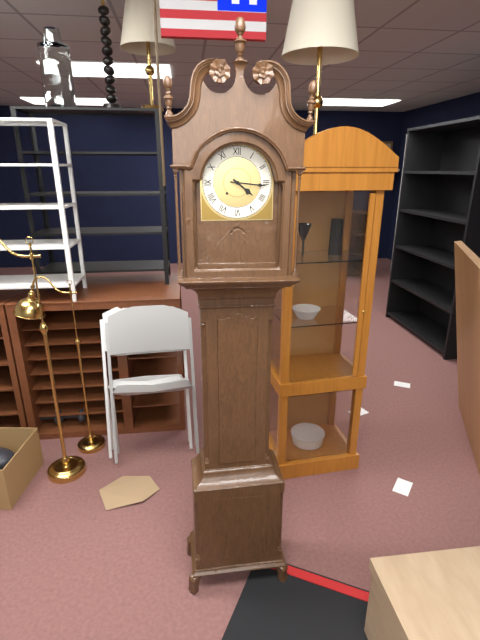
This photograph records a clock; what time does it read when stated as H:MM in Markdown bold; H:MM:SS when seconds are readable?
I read **4:16**
